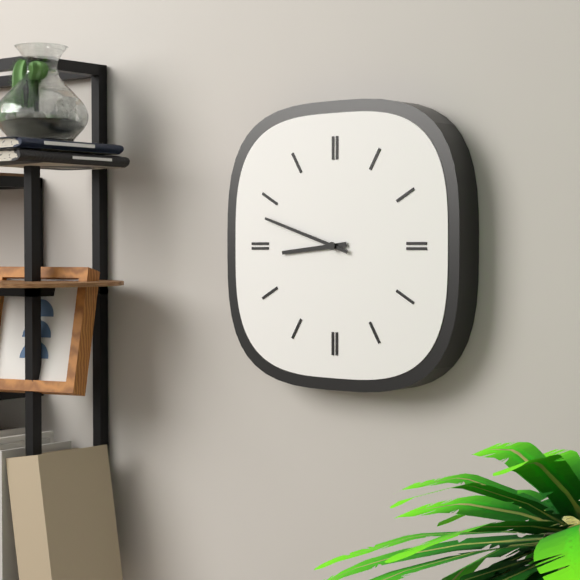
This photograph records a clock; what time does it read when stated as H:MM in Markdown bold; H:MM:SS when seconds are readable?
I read **8:48**
